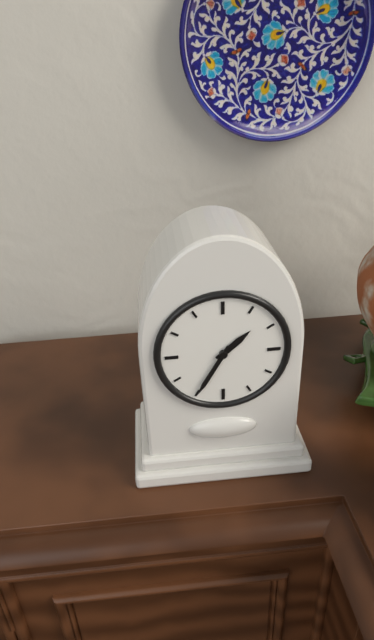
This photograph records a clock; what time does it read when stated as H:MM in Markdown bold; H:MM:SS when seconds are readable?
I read **1:35**
